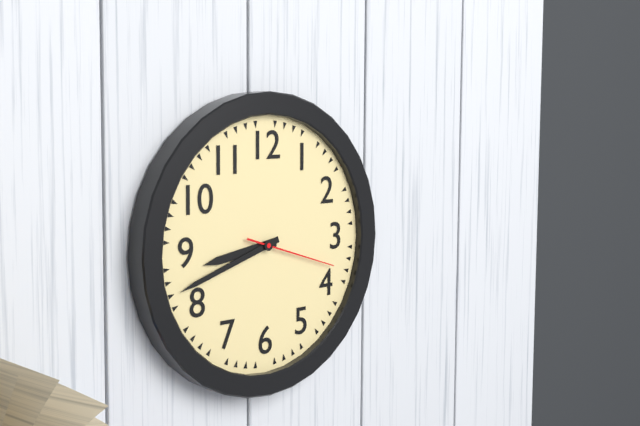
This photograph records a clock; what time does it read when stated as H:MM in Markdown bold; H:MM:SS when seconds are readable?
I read **8:42:18**
